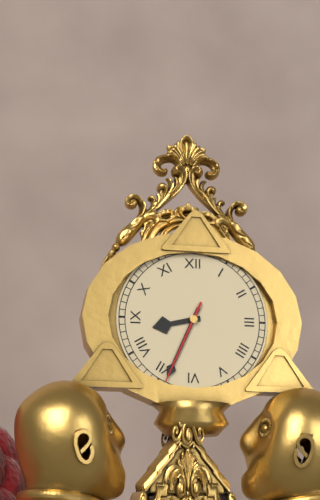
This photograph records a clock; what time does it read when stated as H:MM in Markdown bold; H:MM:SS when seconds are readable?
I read **8:34:34**
